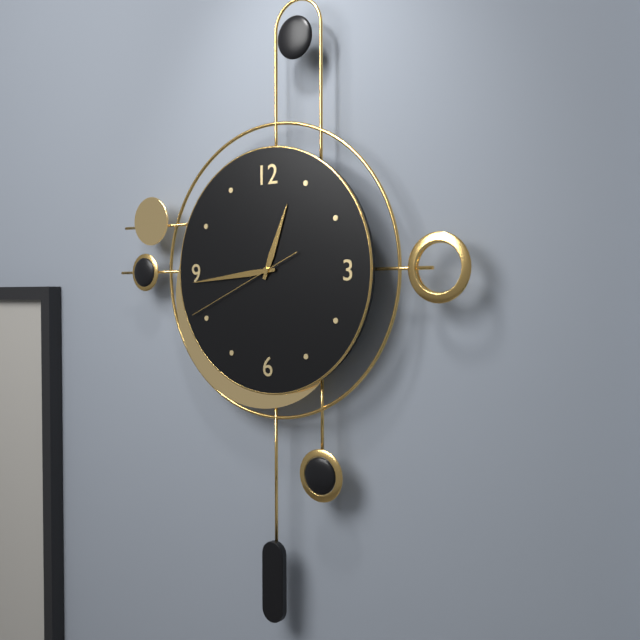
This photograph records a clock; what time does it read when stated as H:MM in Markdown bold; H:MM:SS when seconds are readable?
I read **12:44:41**
